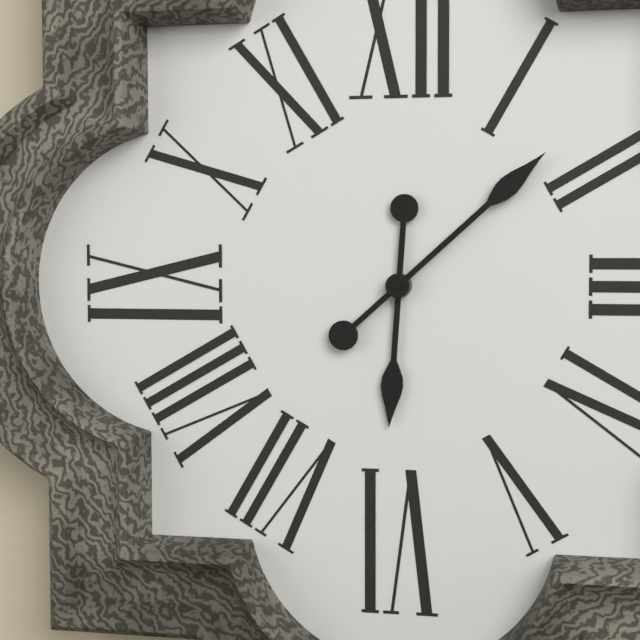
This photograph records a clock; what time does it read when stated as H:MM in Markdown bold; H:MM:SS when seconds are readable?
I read **6:08**
